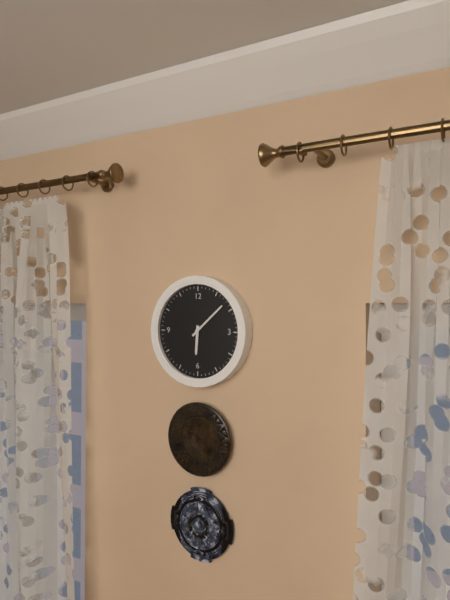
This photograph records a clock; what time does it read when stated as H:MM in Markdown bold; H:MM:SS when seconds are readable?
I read **6:08**
